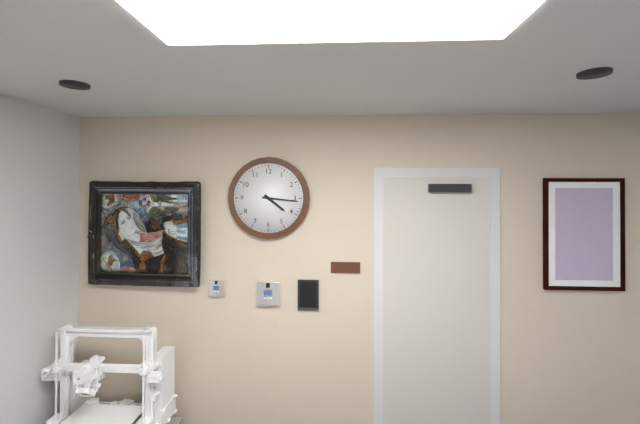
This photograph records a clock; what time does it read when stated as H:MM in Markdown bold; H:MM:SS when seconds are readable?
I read **4:16**
